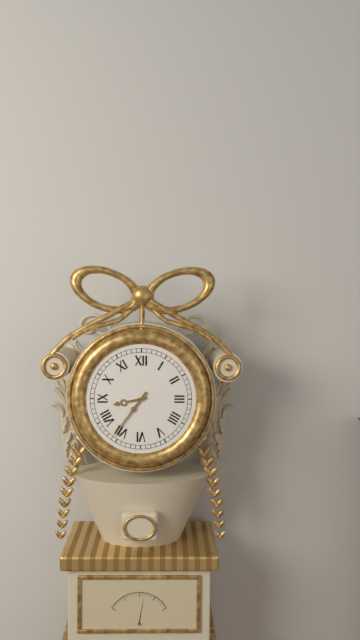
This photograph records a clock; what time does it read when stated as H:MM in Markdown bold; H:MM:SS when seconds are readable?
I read **8:36**
